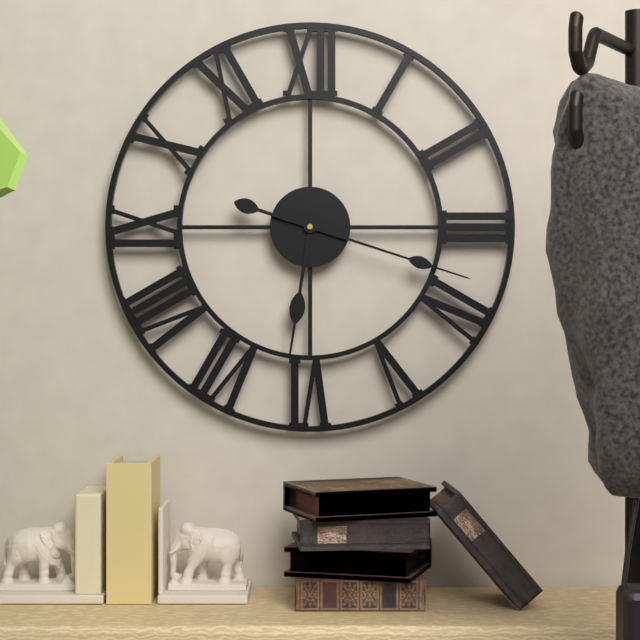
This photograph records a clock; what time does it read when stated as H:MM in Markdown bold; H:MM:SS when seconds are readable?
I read **6:18**
